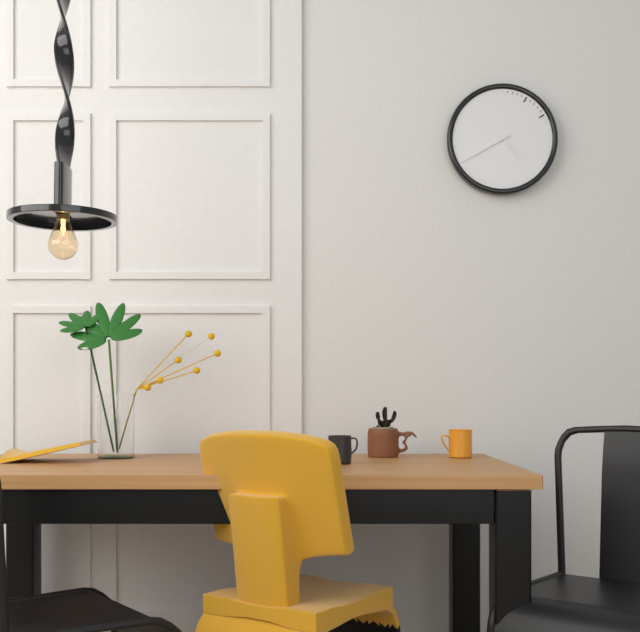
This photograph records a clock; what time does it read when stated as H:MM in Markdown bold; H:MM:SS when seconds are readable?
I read **4:40**
